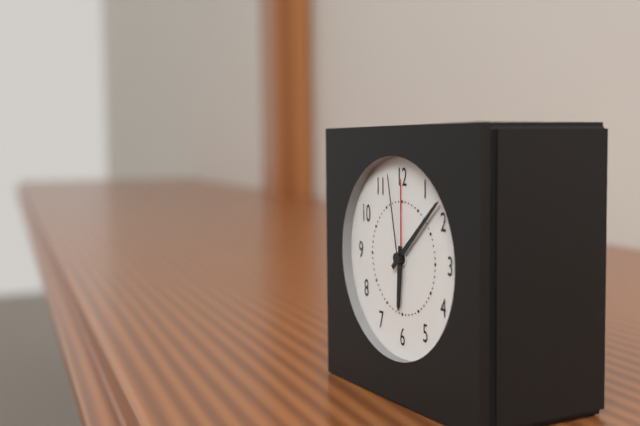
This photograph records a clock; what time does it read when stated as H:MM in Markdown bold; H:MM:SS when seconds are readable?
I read **6:08:58**
